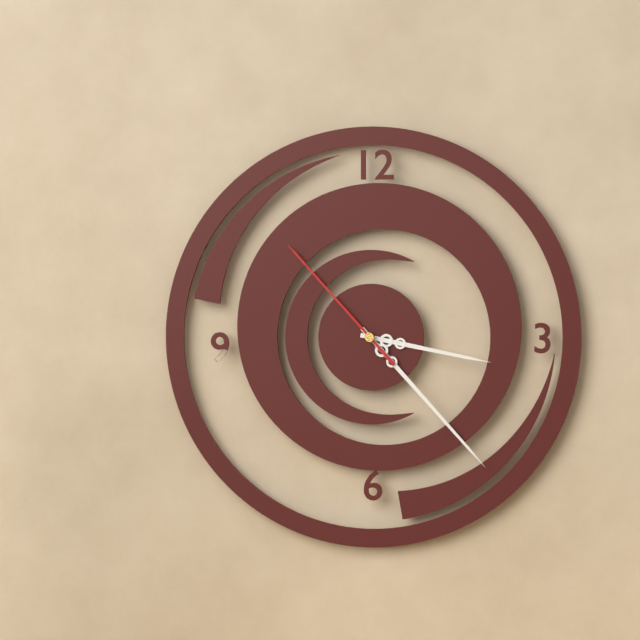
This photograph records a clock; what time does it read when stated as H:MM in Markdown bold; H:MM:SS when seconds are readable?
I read **3:23:53**
